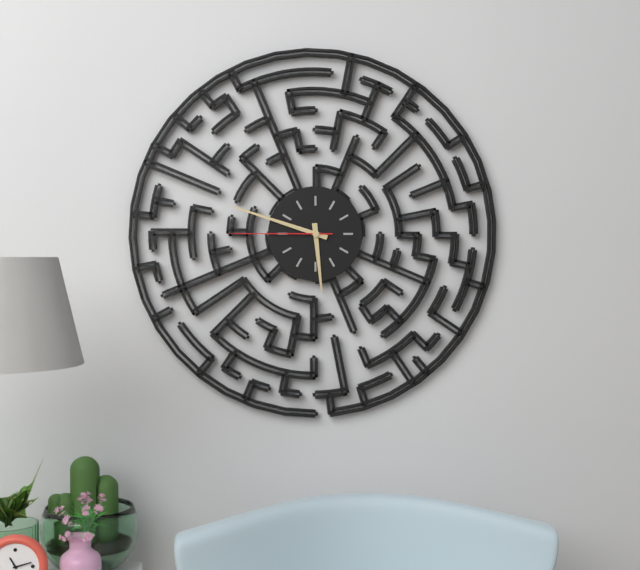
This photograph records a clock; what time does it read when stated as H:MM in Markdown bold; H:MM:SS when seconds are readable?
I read **5:48:45**
